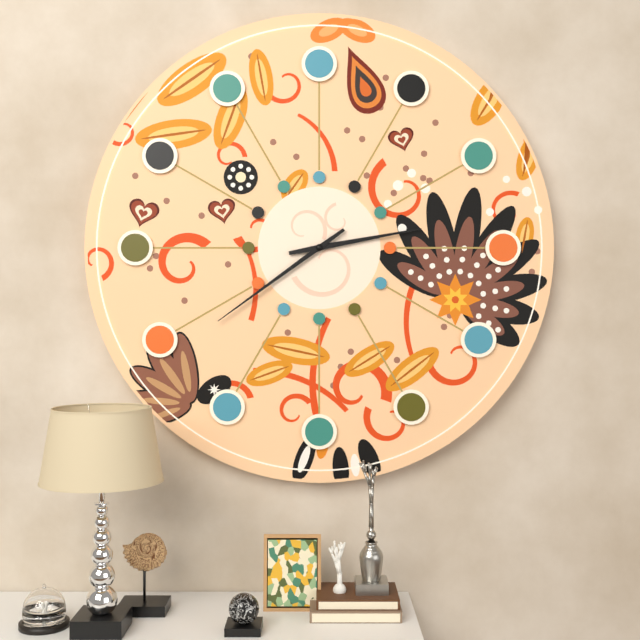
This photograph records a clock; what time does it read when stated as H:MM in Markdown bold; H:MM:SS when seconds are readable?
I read **2:39**
